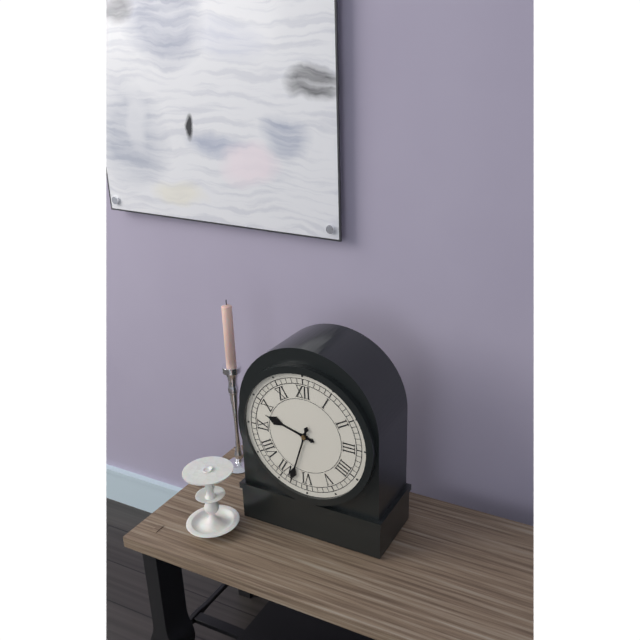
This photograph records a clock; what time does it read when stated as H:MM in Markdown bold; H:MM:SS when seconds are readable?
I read **9:33**
